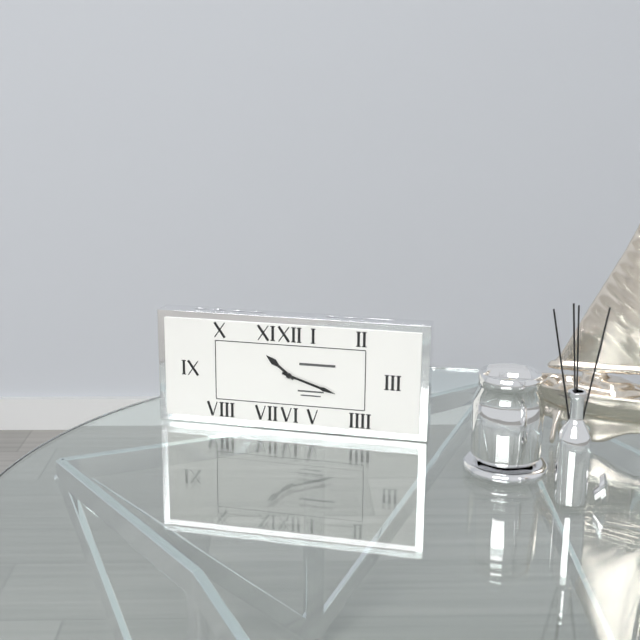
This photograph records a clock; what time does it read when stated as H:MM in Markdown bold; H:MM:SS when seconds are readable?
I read **10:18**
